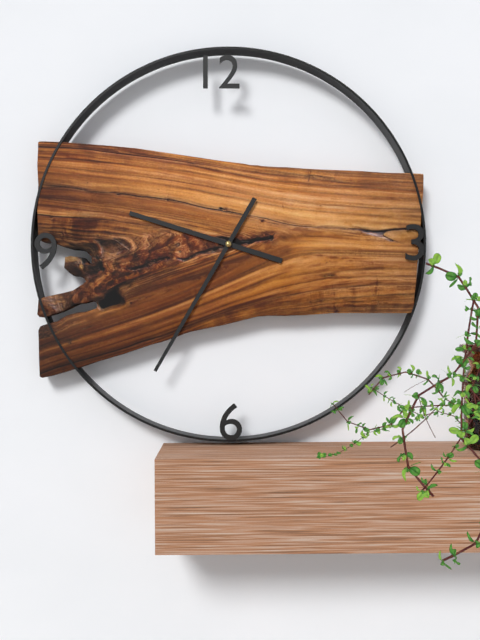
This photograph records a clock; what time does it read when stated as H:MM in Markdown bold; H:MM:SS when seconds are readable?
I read **9:35**
